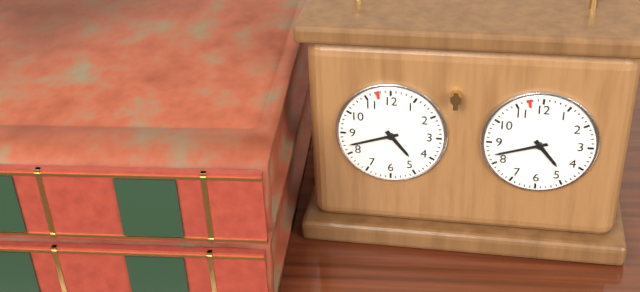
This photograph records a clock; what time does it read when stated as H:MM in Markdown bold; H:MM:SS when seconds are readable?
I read **4:42**
